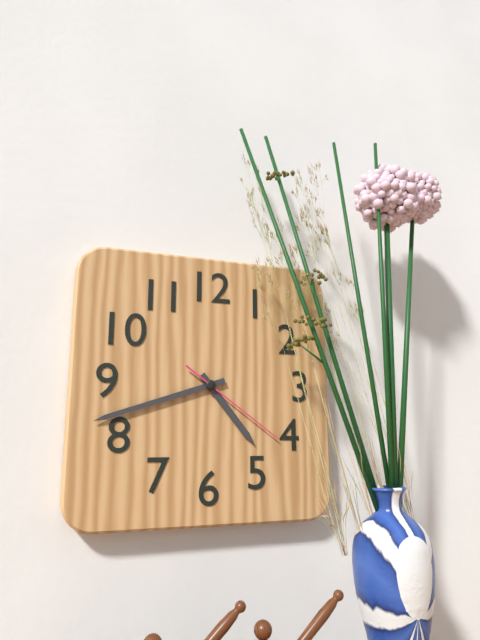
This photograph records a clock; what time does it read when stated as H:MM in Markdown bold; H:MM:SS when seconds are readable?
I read **4:42:21**
